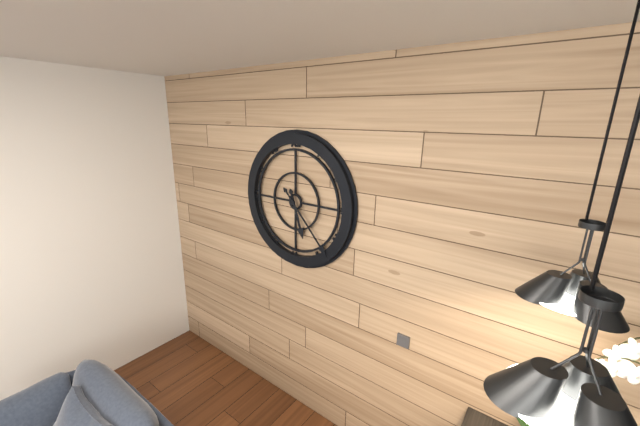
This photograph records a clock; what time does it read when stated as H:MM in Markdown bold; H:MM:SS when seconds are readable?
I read **5:23**
